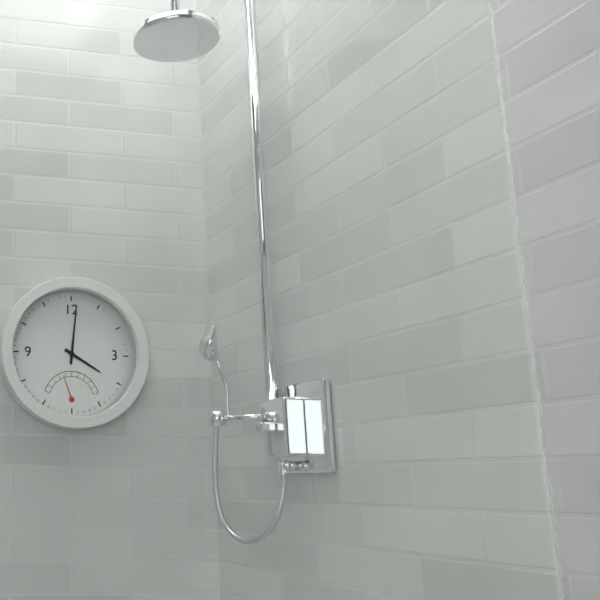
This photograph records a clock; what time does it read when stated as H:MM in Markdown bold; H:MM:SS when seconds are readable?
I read **4:01**
